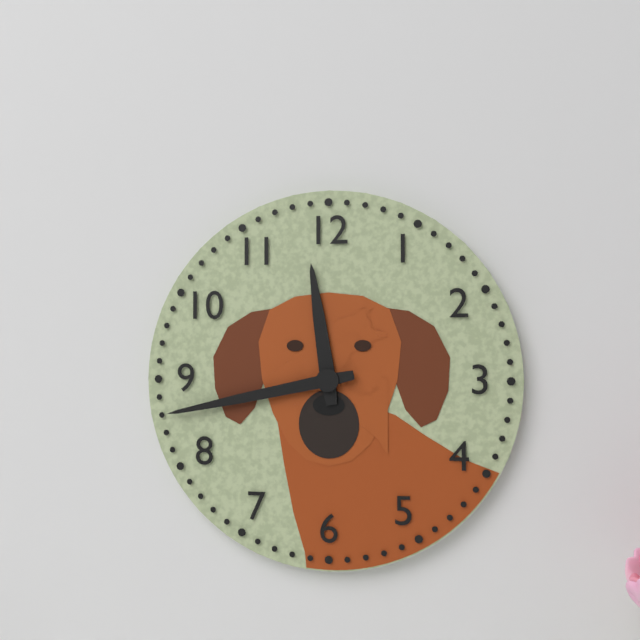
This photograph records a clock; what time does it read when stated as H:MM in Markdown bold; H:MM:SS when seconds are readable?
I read **11:43**
